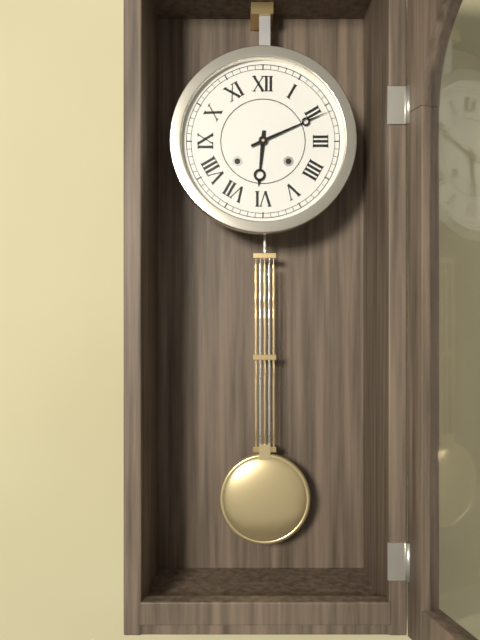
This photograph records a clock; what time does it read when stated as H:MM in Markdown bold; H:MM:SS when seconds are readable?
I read **6:11**
